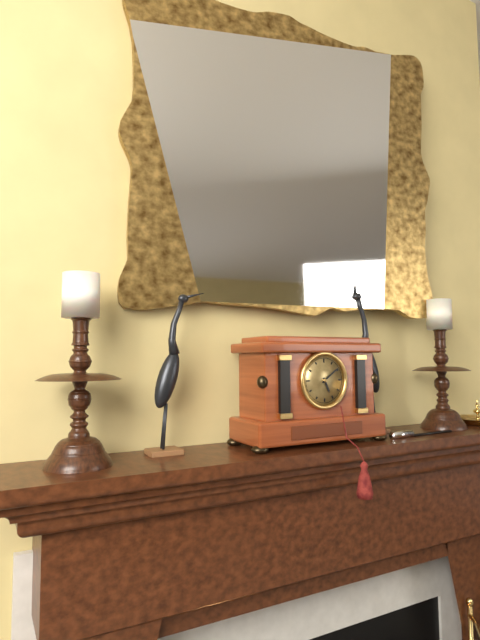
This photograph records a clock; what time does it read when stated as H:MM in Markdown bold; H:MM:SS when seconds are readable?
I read **5:09**
